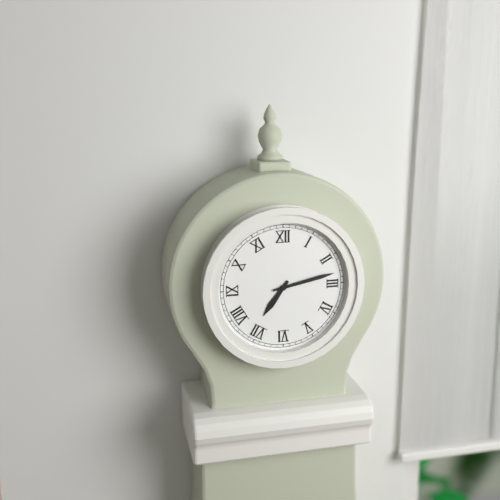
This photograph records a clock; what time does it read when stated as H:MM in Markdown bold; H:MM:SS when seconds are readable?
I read **7:13**
